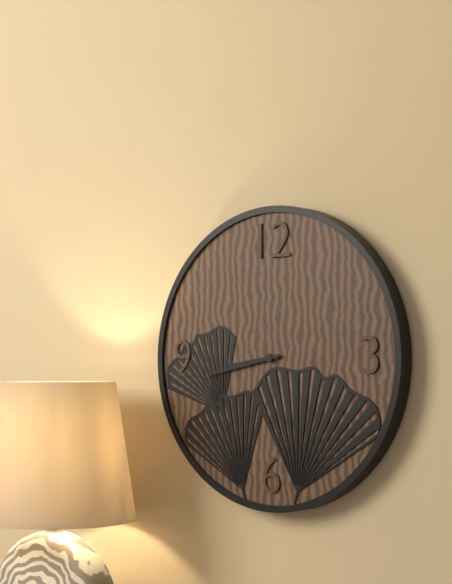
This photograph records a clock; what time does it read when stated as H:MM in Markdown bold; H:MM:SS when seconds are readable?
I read **8:43**
